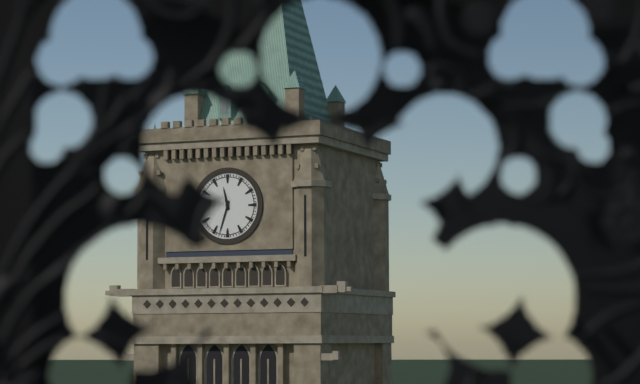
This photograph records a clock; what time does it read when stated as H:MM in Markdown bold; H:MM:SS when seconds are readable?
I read **11:33**
